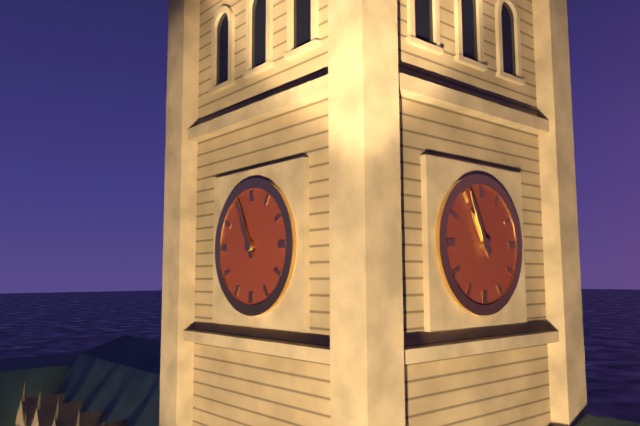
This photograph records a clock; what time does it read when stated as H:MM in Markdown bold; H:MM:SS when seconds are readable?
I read **10:56**
